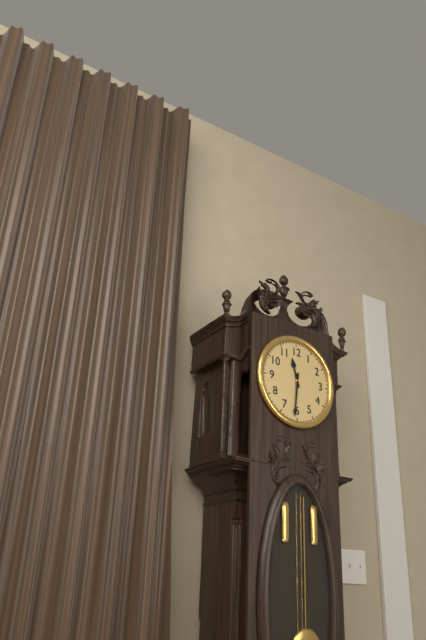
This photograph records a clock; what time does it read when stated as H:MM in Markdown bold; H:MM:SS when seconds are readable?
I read **11:31**
